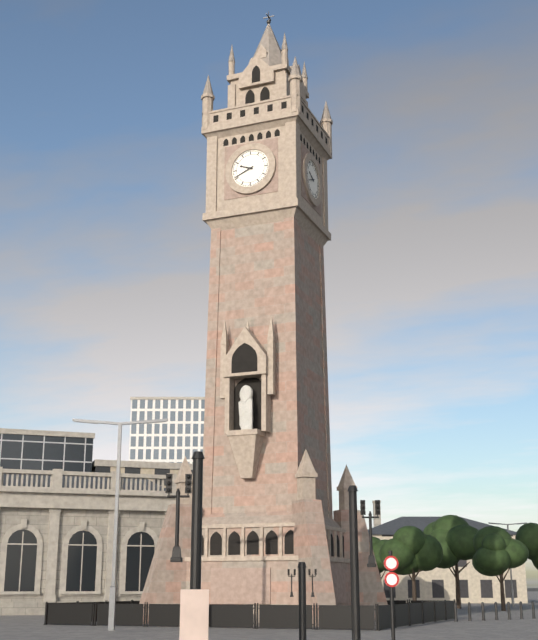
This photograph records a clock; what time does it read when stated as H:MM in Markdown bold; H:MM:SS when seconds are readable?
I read **9:41**
